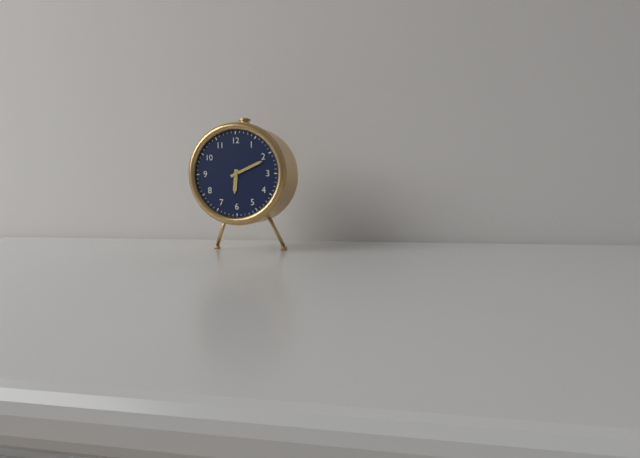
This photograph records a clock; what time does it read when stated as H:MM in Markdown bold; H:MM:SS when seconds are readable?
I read **6:11**
